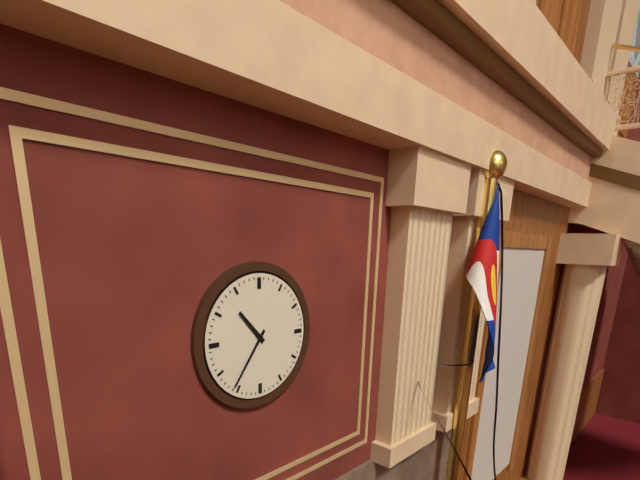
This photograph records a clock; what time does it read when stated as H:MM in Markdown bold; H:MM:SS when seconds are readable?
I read **10:36**
